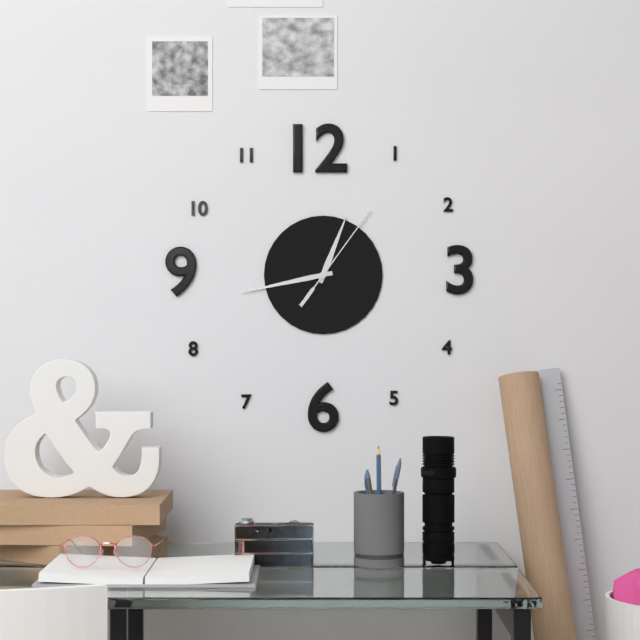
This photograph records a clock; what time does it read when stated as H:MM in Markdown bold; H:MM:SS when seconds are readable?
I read **12:43:06**
